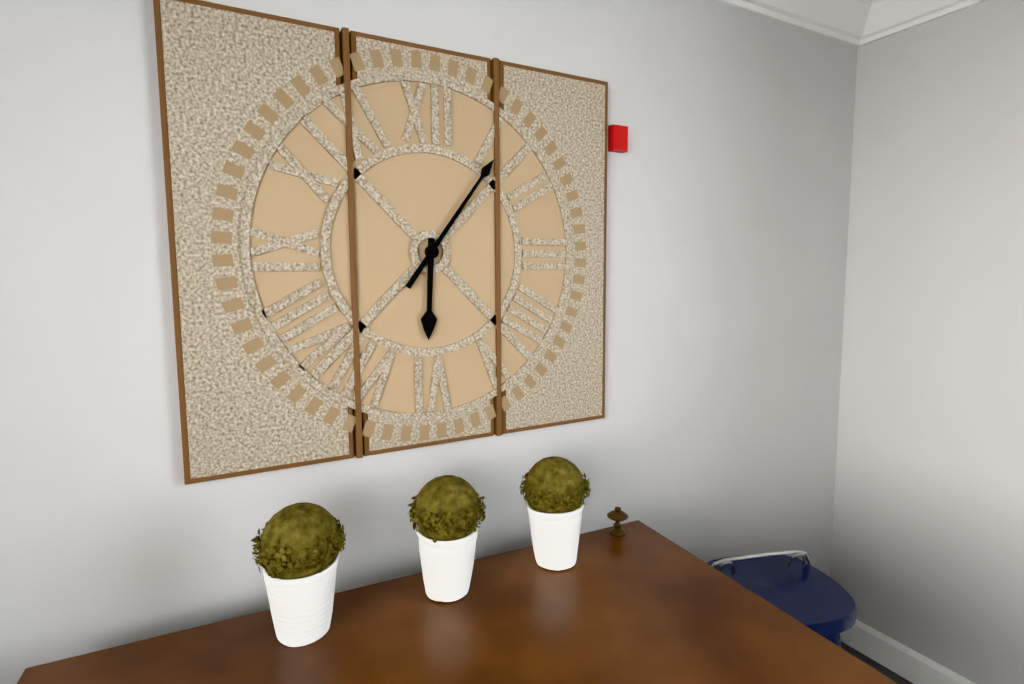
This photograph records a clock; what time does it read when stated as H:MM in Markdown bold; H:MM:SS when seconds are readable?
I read **6:06**
